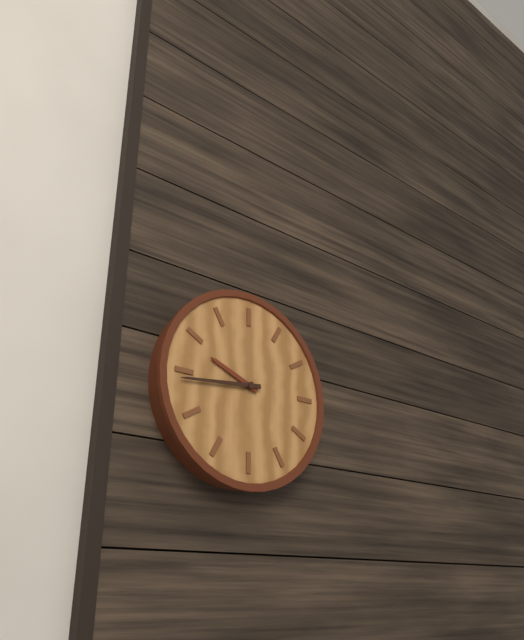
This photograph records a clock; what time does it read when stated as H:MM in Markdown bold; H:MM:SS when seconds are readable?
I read **9:44**
